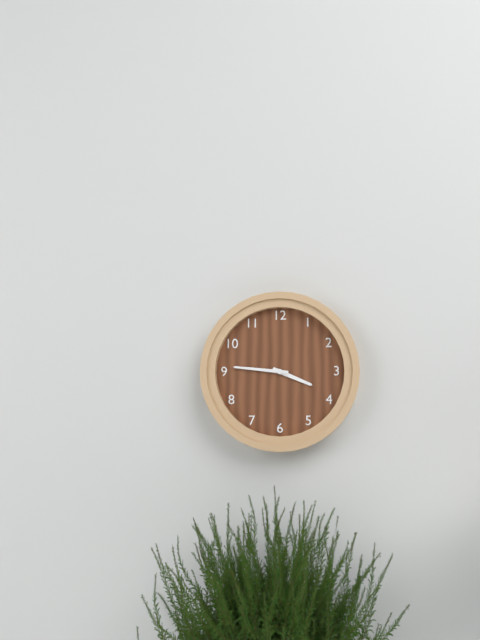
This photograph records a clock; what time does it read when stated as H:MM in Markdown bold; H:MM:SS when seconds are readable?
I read **3:46**
